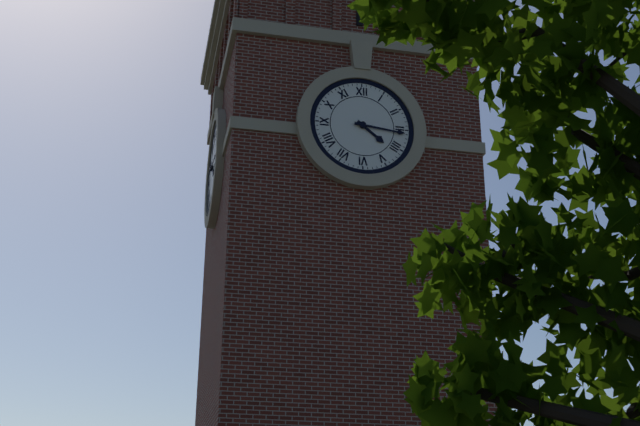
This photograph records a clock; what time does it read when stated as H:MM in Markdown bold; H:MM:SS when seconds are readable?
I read **4:16**
